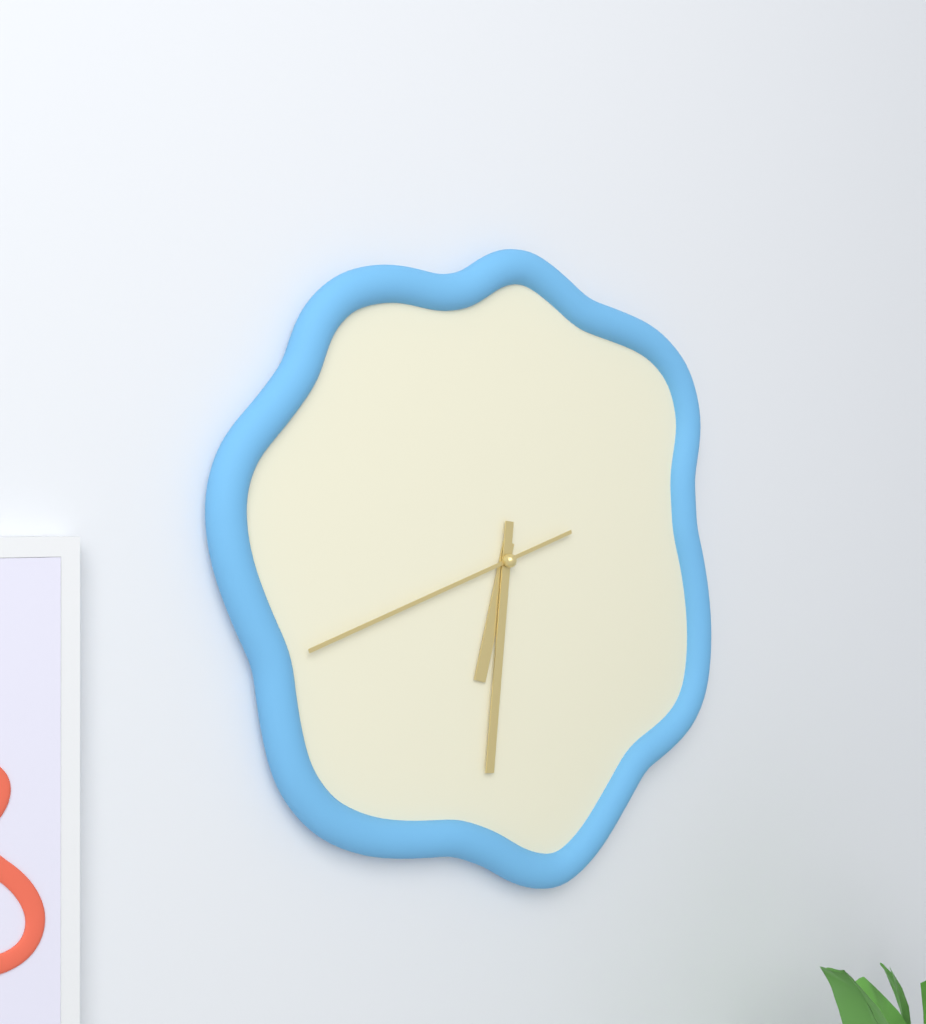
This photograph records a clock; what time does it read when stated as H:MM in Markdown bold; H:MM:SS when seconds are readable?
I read **6:31:42**
